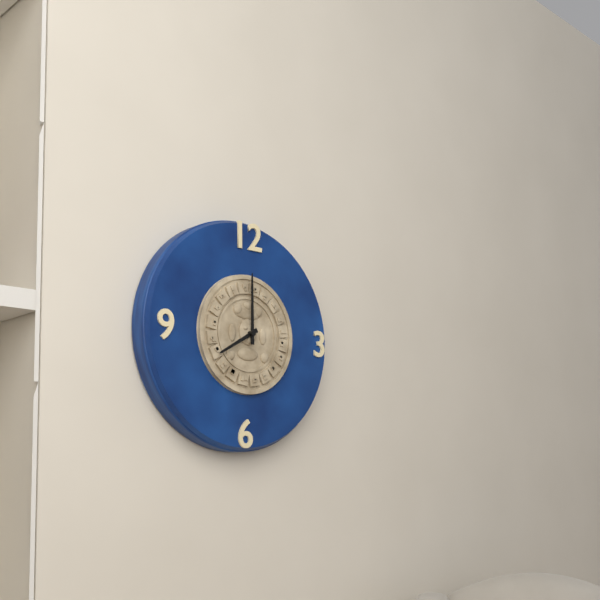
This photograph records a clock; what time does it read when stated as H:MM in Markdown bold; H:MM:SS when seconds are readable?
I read **8:00**
